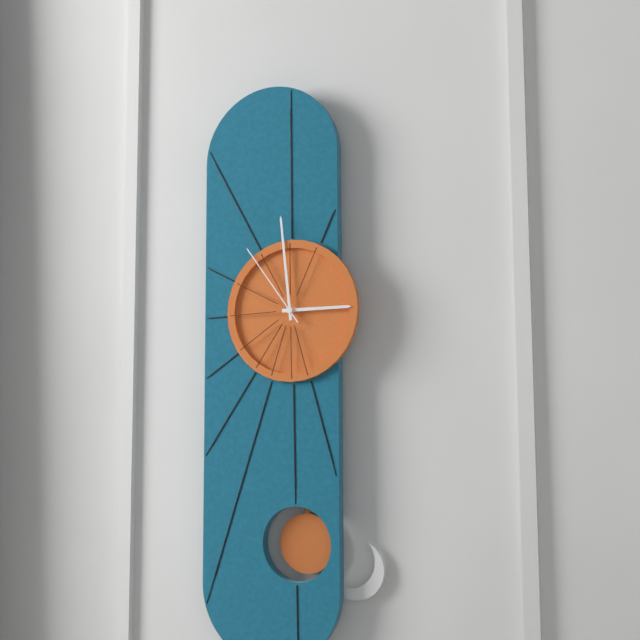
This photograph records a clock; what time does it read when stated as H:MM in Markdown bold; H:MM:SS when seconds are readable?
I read **2:59:54**
